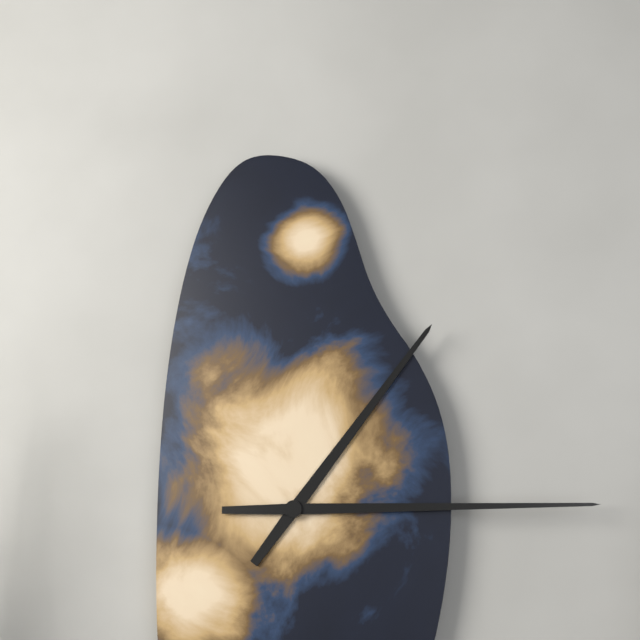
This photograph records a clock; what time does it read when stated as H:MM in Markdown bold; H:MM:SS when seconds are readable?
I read **1:15**
